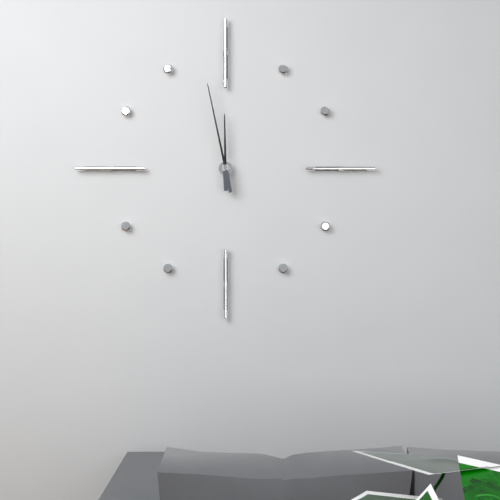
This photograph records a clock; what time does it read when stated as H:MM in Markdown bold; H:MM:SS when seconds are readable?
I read **11:58**
